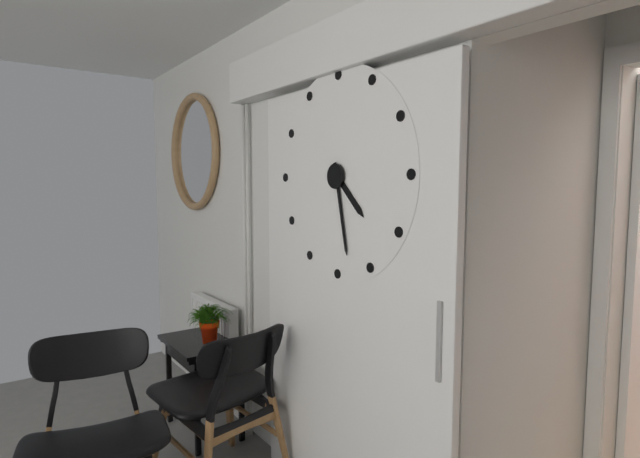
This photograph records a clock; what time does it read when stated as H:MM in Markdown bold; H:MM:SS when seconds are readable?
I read **4:28**
